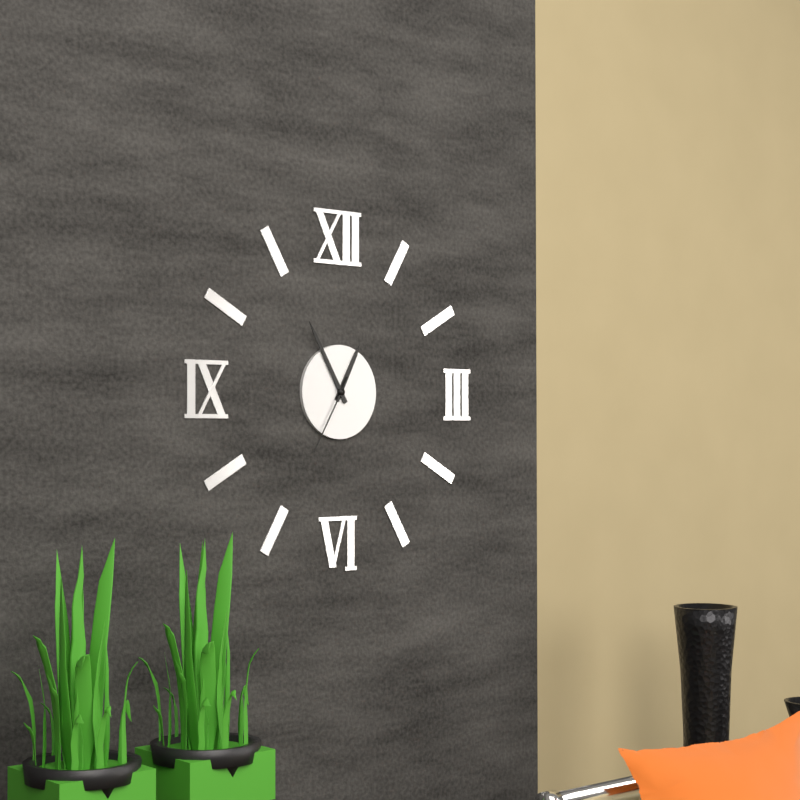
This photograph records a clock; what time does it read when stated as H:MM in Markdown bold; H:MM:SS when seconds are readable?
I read **12:55:35**
